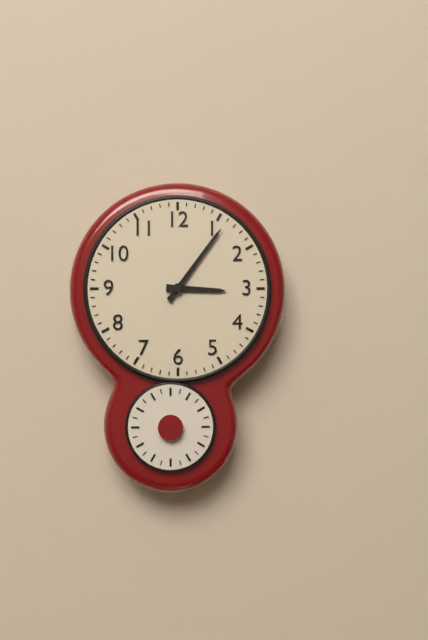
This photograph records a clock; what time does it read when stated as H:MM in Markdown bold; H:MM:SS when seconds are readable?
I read **3:06**
